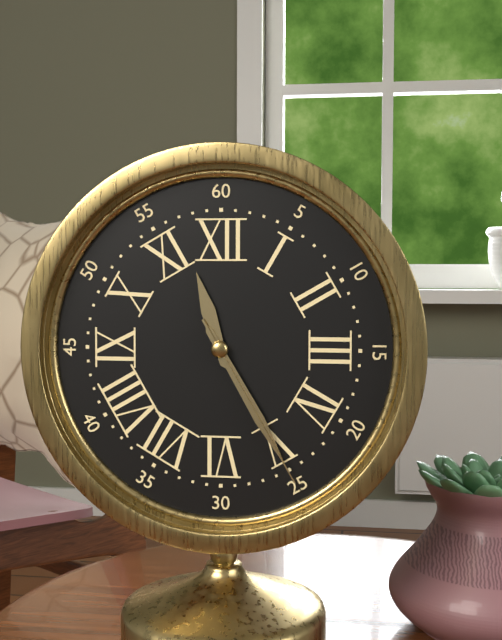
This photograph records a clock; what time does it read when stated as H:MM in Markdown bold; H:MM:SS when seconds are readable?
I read **11:25:25**
